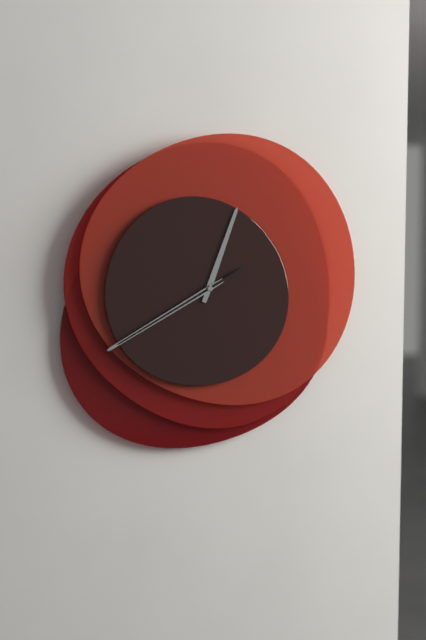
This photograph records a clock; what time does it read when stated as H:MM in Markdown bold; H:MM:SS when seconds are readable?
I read **12:40:40**
